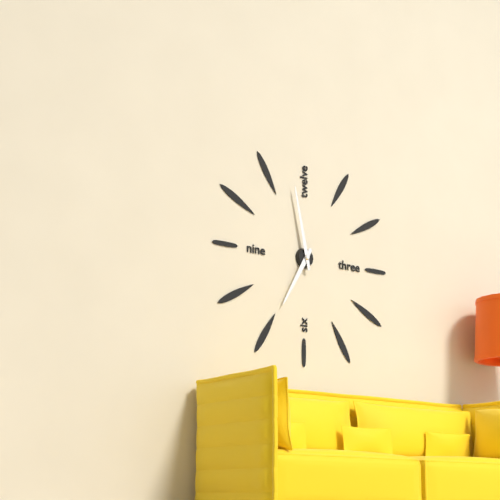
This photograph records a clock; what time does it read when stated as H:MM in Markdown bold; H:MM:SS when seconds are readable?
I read **6:58**
